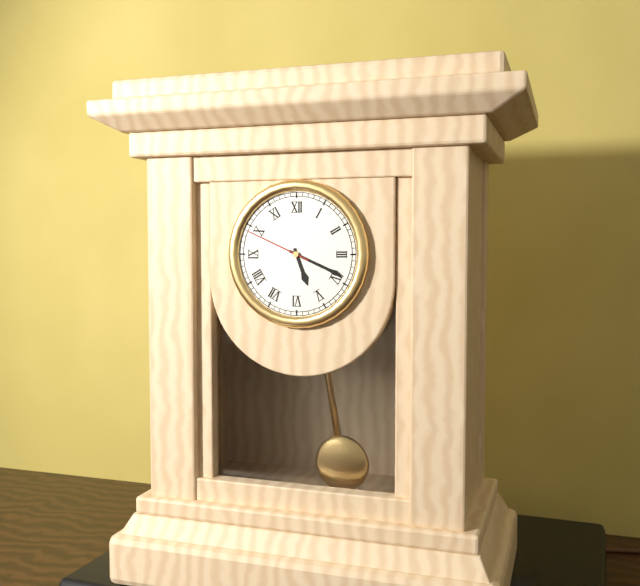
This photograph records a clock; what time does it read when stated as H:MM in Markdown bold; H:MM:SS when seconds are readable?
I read **5:19:49**
